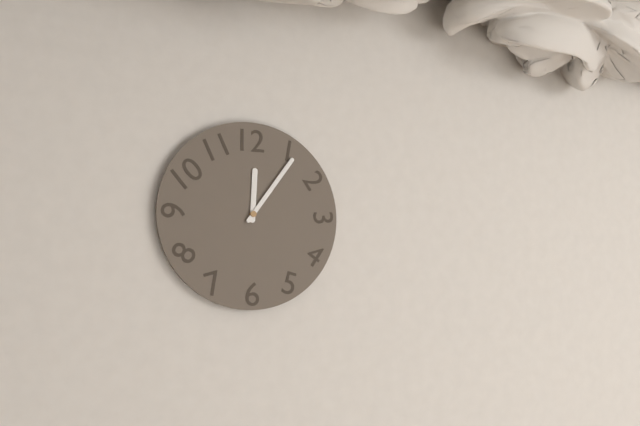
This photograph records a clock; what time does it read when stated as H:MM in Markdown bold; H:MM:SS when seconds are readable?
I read **12:06**
